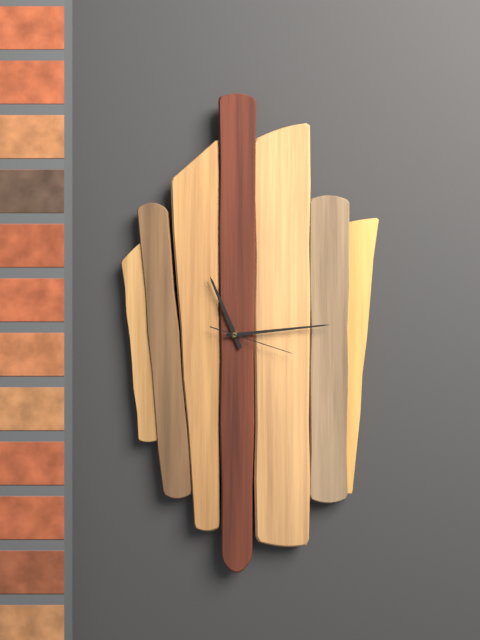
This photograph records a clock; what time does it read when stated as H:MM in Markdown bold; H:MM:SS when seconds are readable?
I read **11:14:18**
